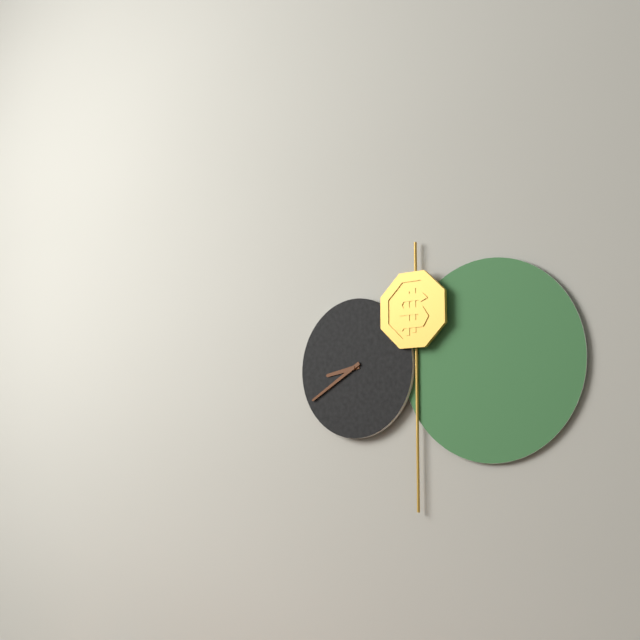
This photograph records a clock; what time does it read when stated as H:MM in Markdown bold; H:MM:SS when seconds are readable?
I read **8:40**
